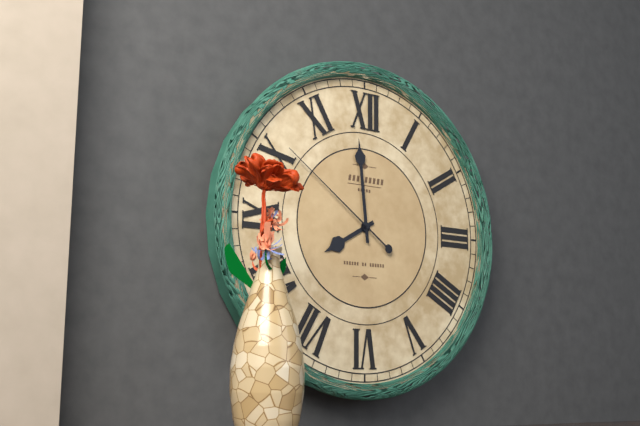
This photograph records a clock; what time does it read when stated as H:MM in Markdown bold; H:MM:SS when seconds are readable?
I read **7:59:51**
